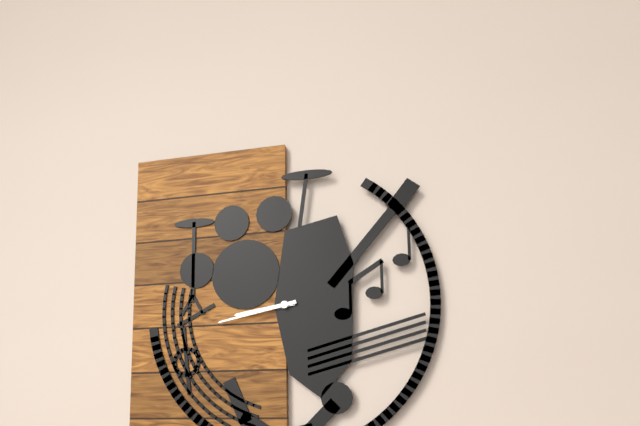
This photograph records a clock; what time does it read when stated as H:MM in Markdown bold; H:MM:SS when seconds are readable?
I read **8:43**
